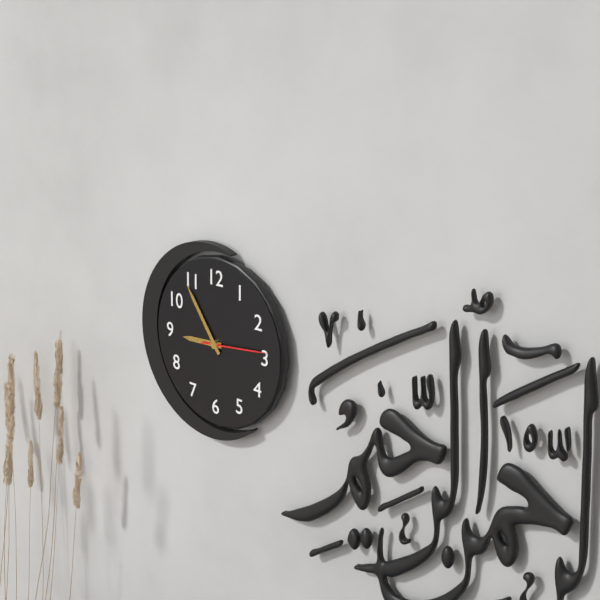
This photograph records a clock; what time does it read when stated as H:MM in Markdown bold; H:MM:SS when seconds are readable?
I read **8:54:14**
